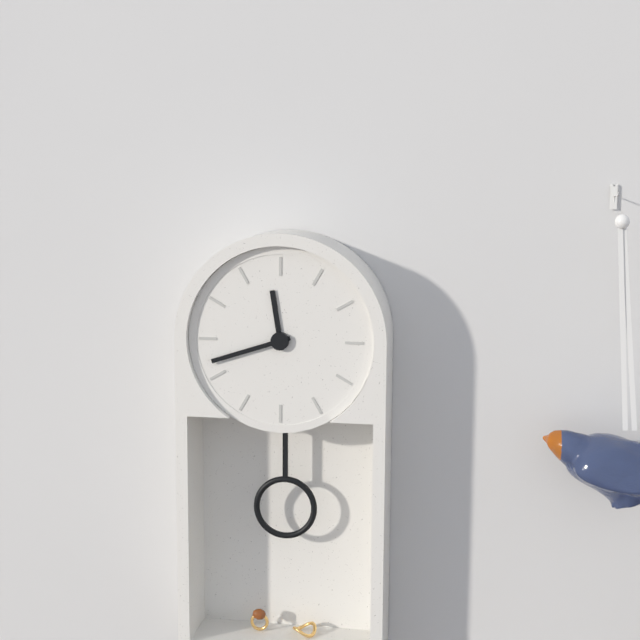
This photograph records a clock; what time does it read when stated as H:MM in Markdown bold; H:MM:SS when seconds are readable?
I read **11:42**
